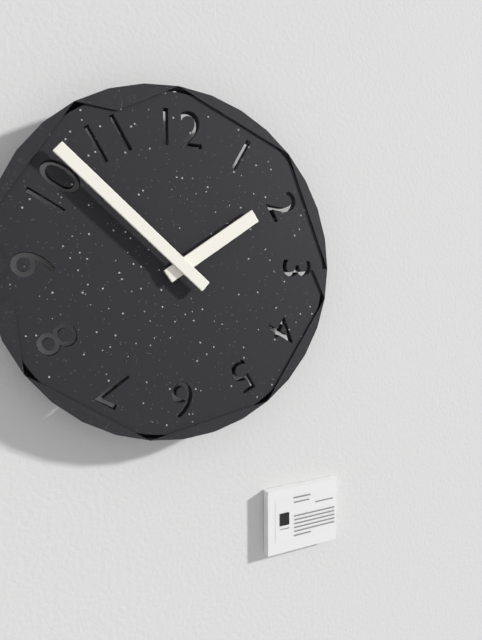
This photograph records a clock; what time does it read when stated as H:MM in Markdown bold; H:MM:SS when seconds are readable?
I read **1:52**
